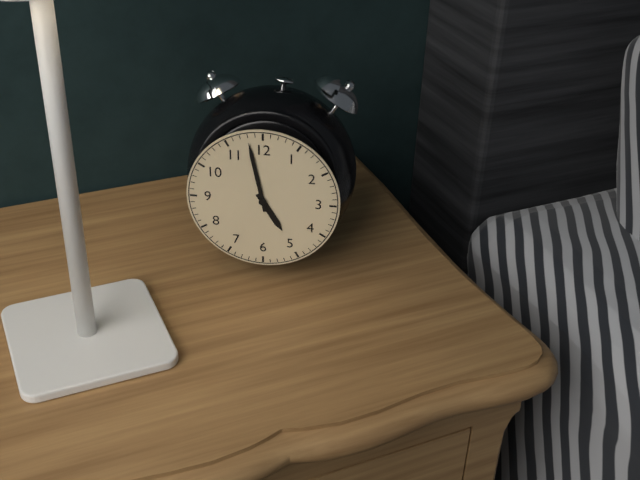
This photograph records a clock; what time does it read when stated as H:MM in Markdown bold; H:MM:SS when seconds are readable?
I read **4:58**
